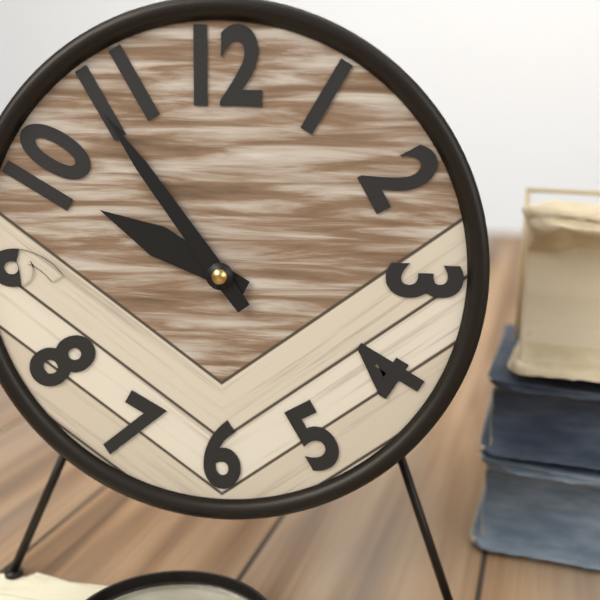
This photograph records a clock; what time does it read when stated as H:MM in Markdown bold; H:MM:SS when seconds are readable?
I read **9:54**
